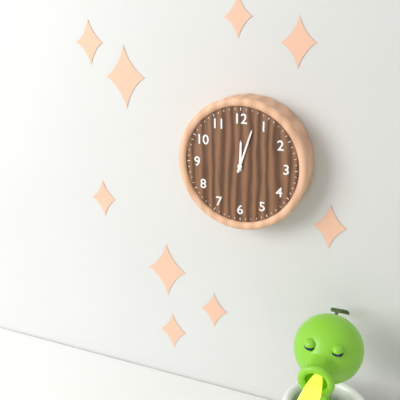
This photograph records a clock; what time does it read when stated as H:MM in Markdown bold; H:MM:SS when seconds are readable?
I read **12:03**
